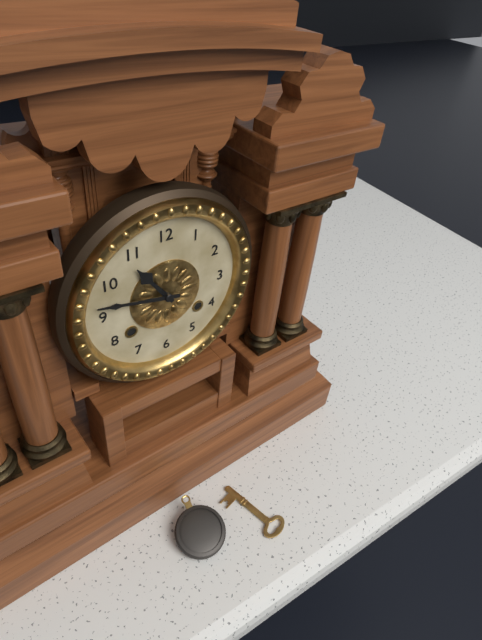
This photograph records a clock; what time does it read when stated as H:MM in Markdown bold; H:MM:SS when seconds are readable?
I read **10:47**
